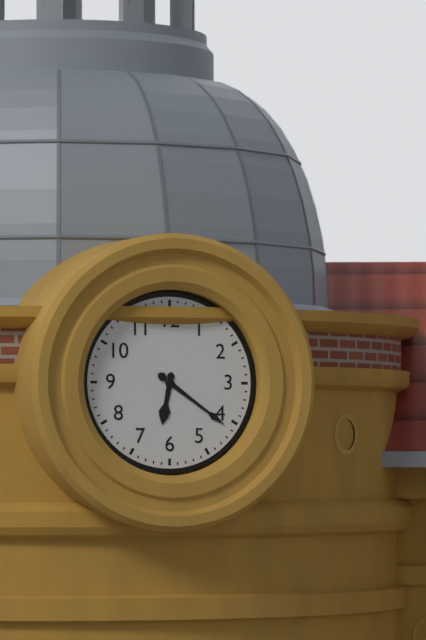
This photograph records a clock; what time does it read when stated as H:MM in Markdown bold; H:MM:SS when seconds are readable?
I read **6:21**
